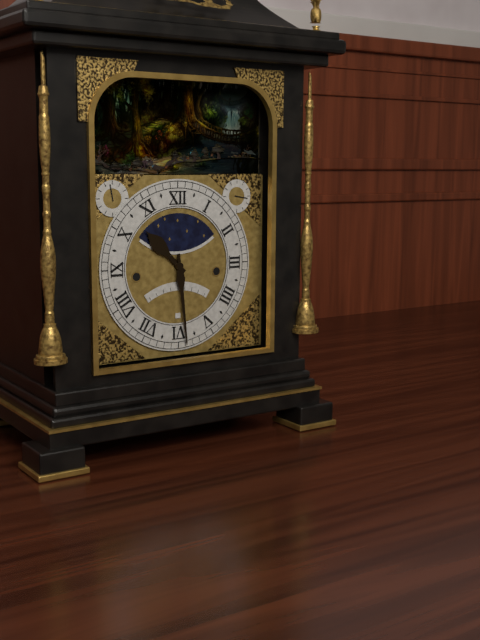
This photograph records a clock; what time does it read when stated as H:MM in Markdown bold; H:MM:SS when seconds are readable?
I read **10:29**
